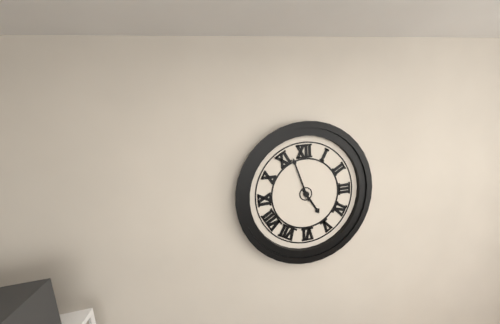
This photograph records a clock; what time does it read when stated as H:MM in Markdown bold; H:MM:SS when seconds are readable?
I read **4:57**
